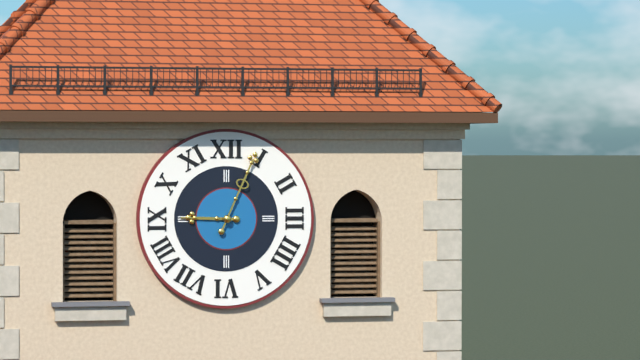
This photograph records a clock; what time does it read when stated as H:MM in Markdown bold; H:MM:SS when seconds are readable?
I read **9:04**
